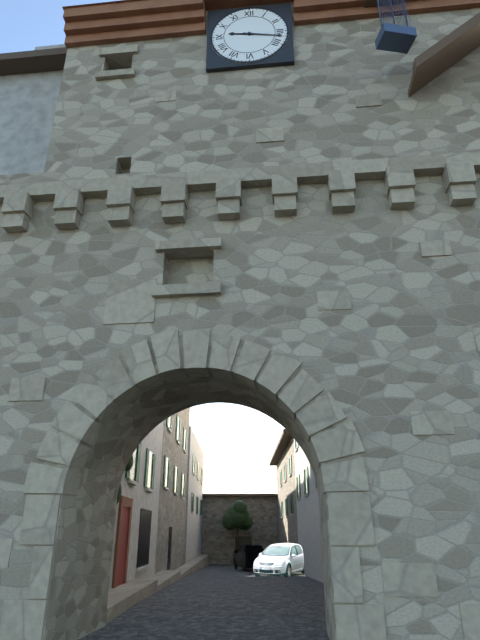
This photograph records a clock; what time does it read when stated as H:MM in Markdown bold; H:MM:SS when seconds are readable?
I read **9:17**
